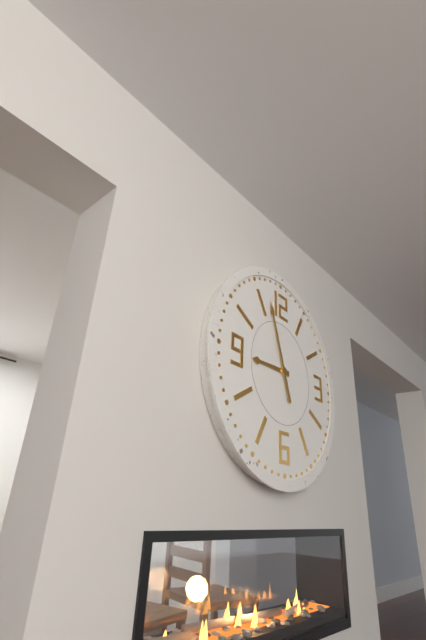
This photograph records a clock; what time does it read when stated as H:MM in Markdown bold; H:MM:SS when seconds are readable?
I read **8:57**
